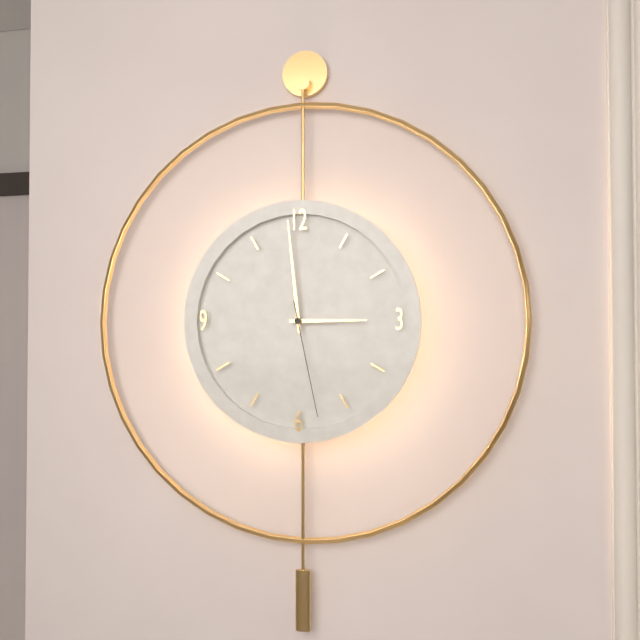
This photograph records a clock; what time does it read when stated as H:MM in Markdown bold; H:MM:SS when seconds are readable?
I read **2:59:28**
